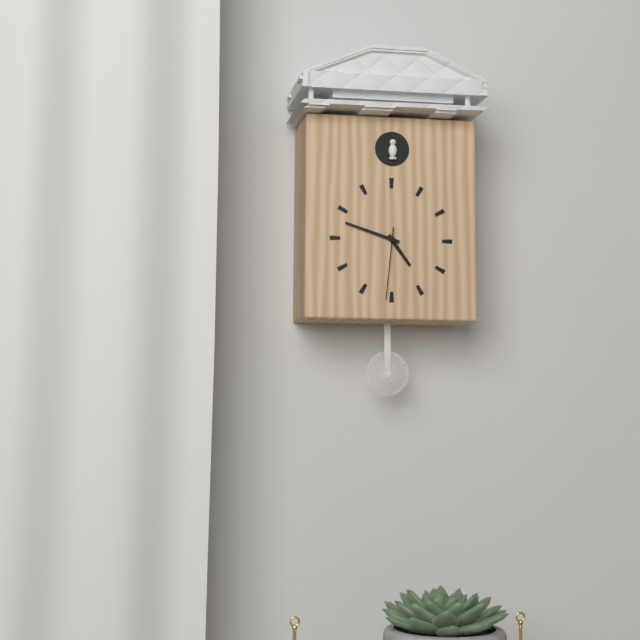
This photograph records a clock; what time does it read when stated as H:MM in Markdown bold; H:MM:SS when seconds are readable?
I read **4:48:31**
